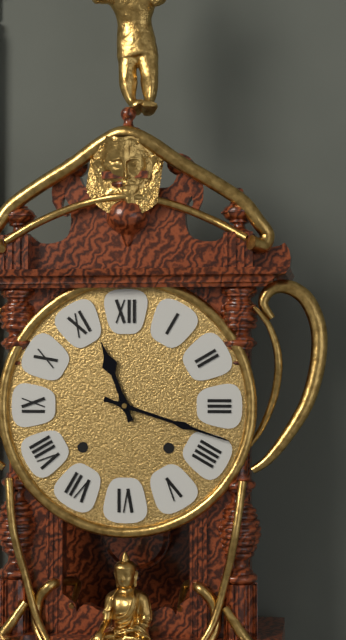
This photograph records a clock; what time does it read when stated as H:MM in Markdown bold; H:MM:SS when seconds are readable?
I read **11:18**
